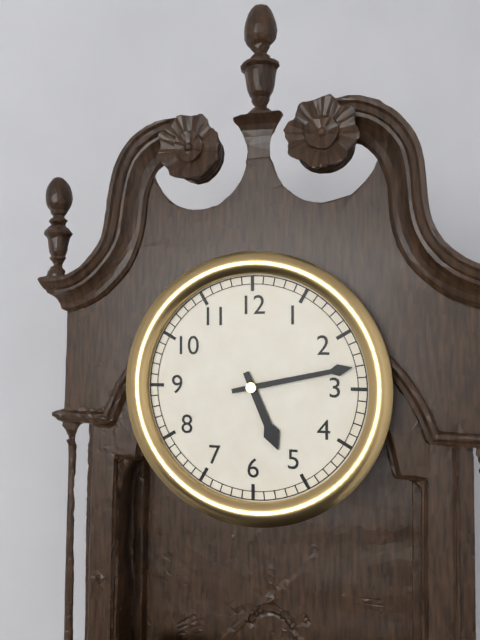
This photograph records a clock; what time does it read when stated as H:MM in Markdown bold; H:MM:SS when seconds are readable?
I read **5:13**
